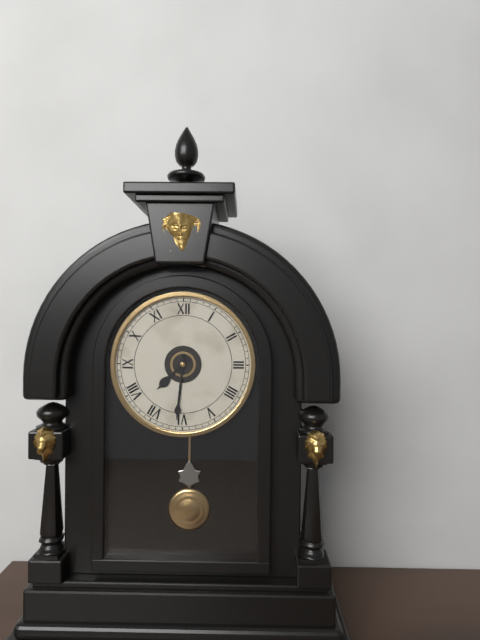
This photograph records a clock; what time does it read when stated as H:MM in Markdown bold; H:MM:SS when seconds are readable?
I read **7:31**
